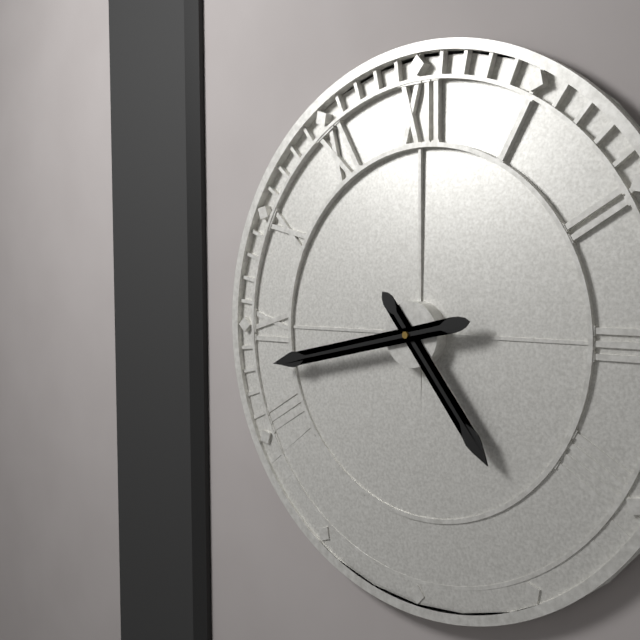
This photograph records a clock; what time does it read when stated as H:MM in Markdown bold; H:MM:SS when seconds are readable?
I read **4:43**
